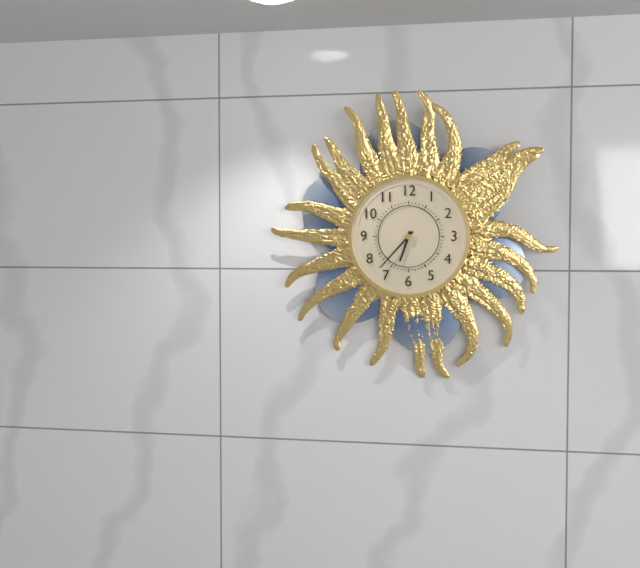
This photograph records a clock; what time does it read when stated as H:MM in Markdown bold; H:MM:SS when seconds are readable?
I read **6:37**
